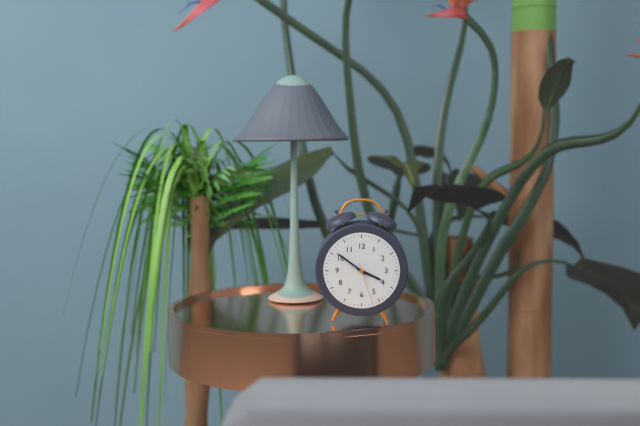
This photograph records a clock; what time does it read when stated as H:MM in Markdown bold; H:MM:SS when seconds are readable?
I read **3:51**
